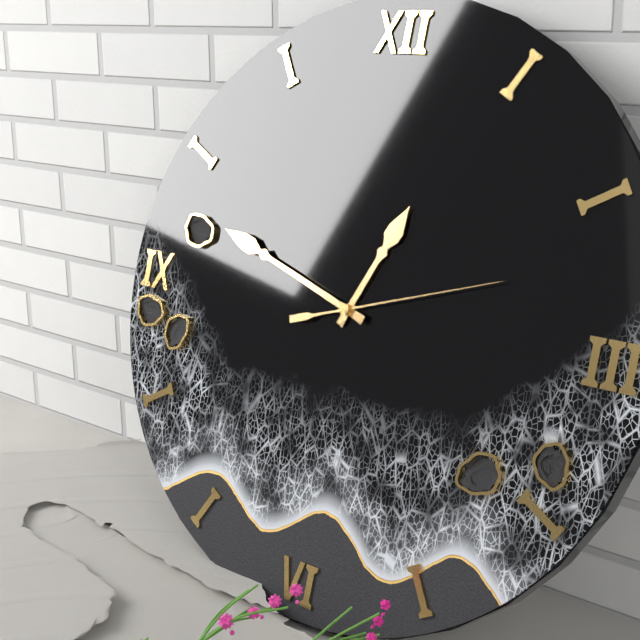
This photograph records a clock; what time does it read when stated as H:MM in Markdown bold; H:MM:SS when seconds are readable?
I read **12:48:12**
